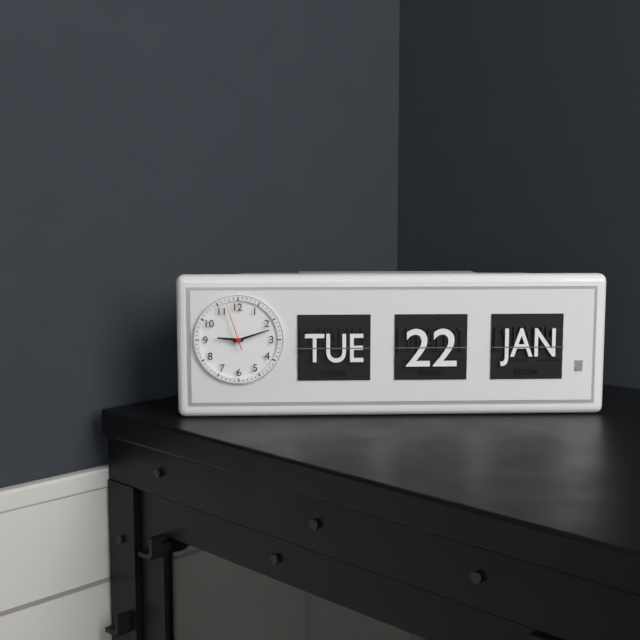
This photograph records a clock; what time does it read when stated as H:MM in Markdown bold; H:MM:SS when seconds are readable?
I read **9:12**
